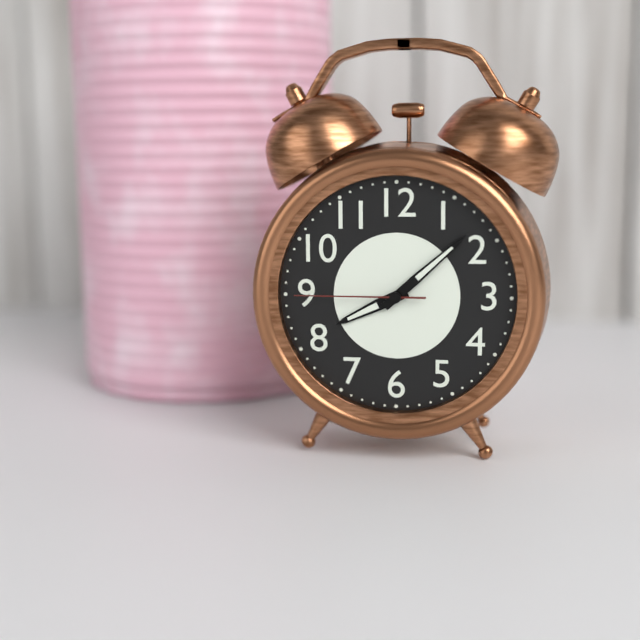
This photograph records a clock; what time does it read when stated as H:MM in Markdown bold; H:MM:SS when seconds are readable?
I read **8:08:45**
